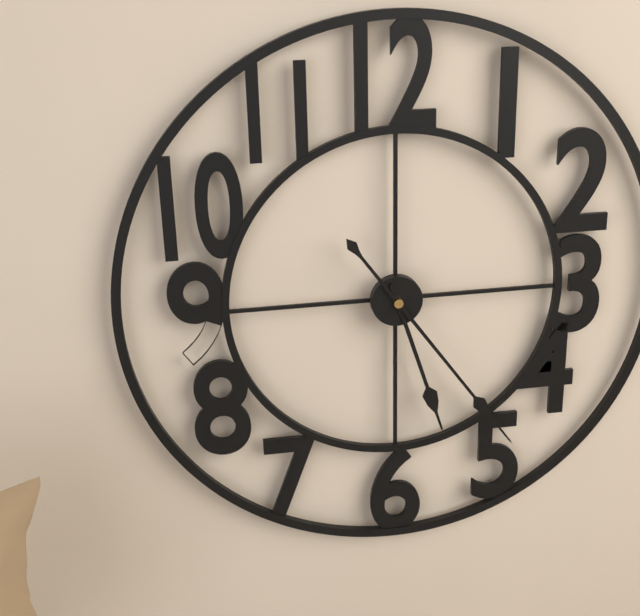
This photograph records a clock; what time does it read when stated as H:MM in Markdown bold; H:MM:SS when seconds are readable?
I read **5:24**
